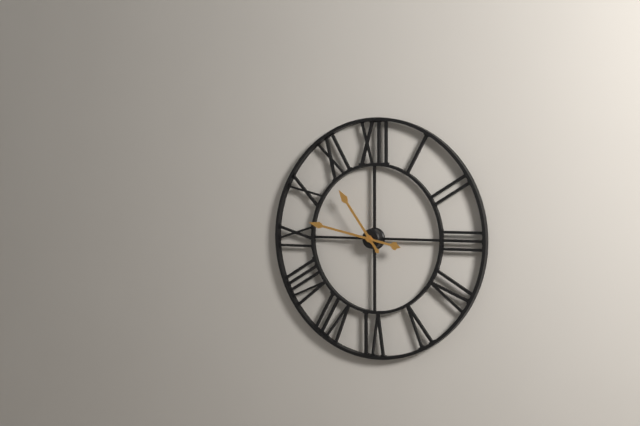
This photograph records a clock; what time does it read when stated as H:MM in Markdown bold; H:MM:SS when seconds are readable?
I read **10:47**
